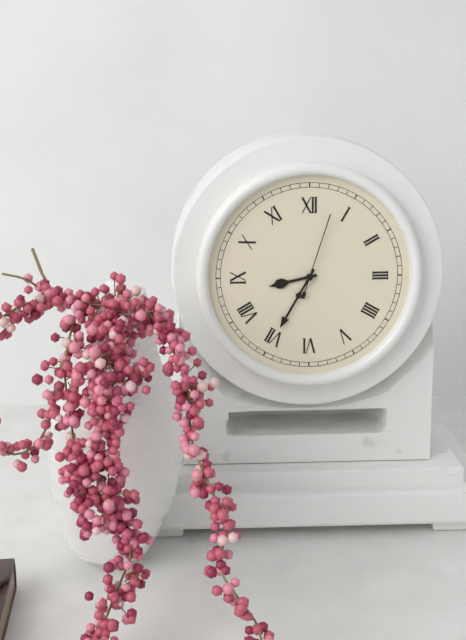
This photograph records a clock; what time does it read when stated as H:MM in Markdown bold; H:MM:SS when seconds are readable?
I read **8:35:03**
